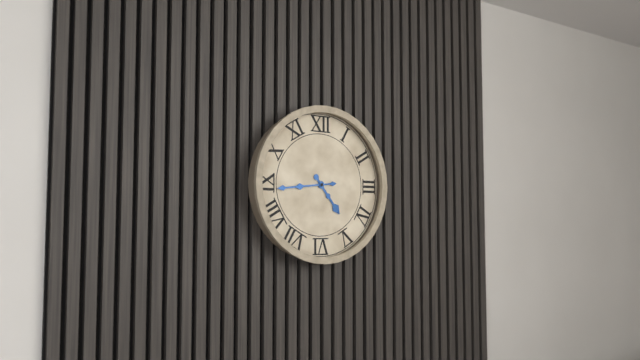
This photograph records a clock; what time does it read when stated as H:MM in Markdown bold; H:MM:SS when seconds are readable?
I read **4:44**
